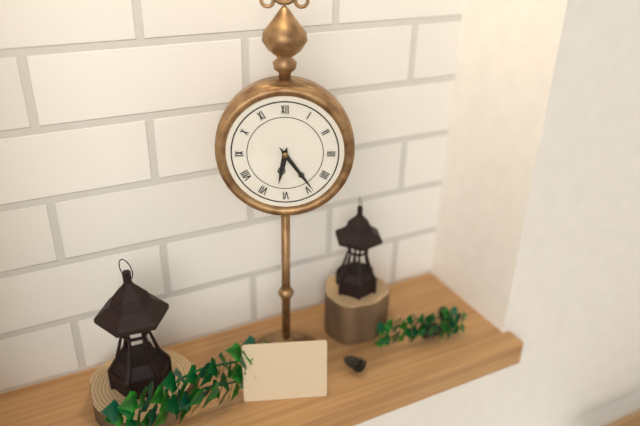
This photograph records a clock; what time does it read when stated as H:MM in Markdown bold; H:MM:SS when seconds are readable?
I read **6:24**
